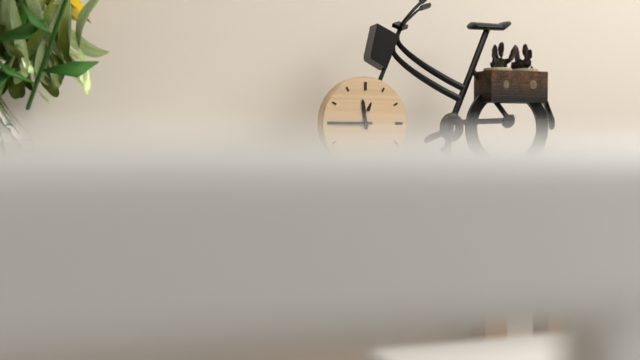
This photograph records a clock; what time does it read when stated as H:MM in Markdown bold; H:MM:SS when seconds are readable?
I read **11:45**
